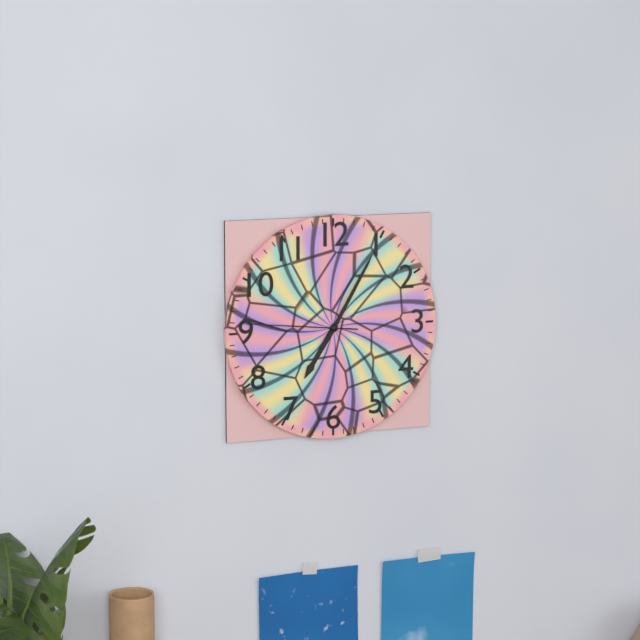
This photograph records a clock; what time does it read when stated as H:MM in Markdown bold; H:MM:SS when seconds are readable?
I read **7:05:46**
